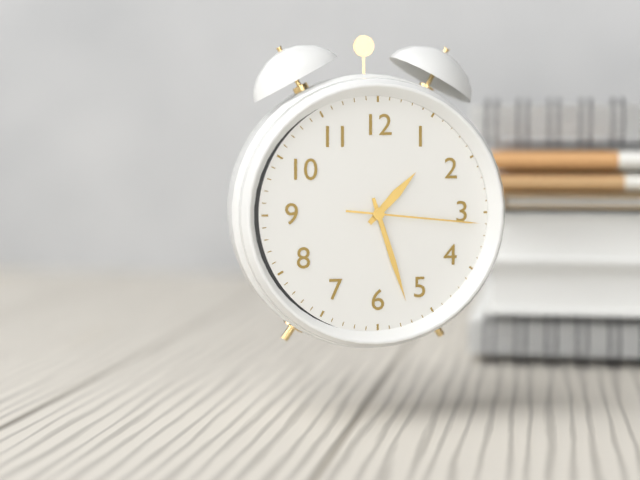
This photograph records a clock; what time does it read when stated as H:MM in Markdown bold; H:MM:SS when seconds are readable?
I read **1:27:16**
